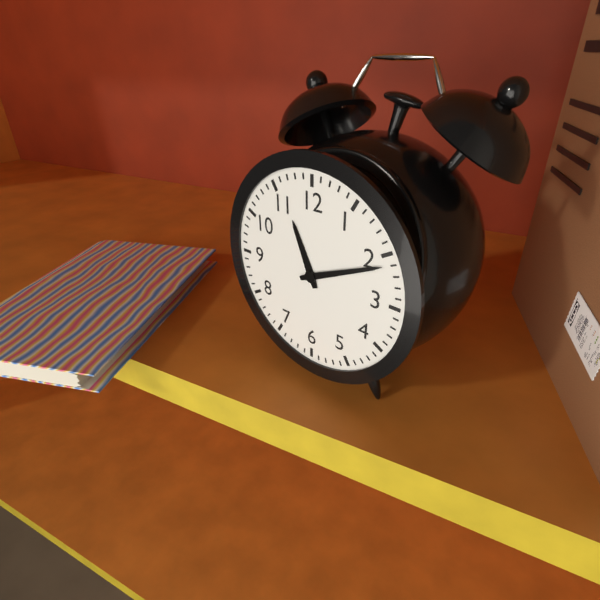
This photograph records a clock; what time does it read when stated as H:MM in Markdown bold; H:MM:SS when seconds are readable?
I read **11:11**
